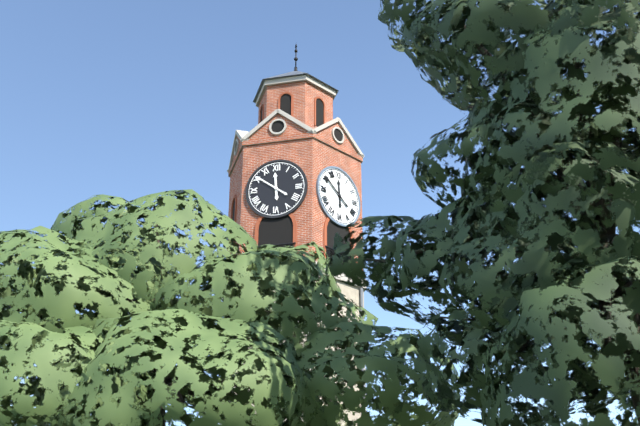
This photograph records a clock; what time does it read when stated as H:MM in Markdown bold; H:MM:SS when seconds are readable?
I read **11:51**
